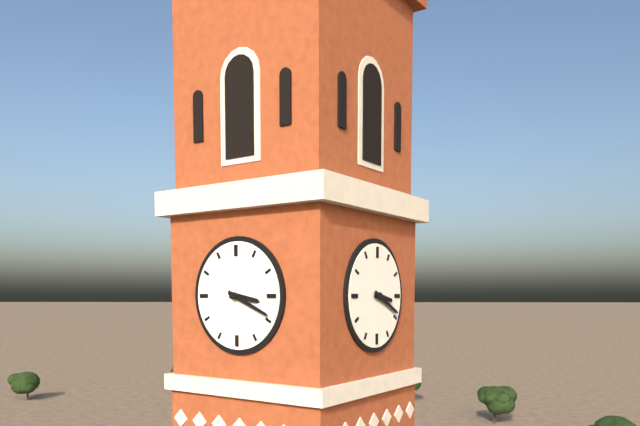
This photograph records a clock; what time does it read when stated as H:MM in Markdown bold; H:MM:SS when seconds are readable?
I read **3:19**
